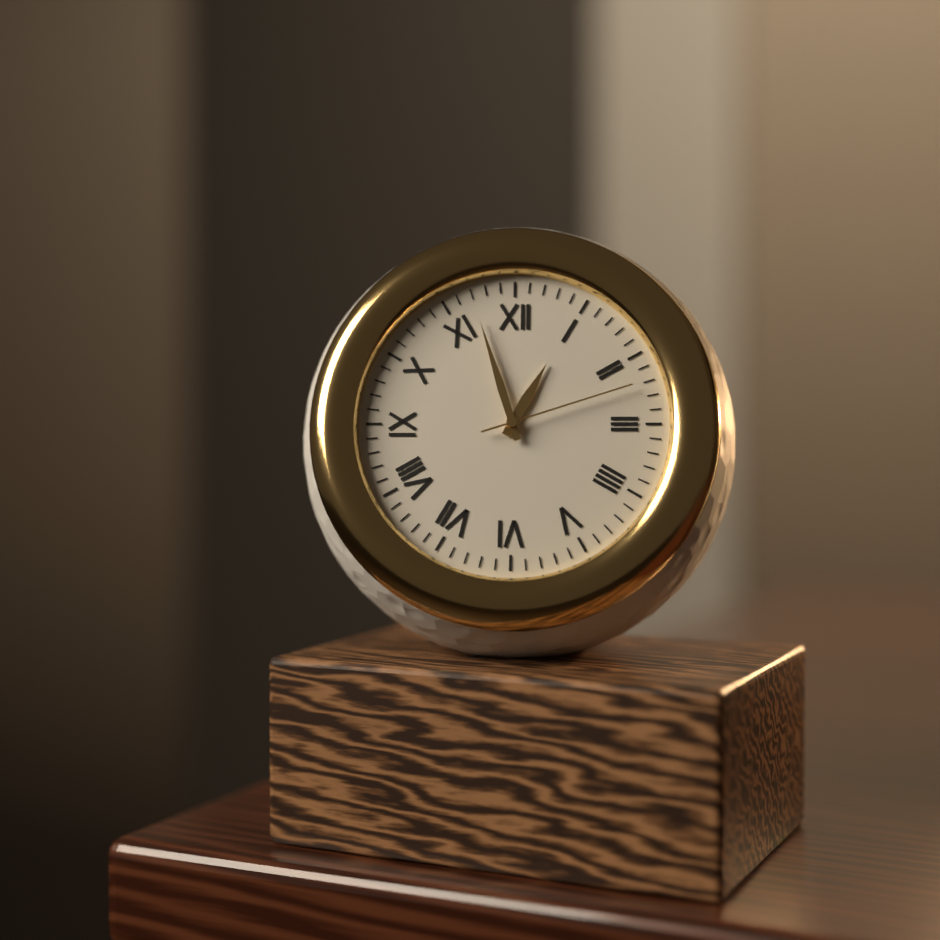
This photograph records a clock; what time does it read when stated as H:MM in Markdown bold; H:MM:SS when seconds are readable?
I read **12:57:12**
